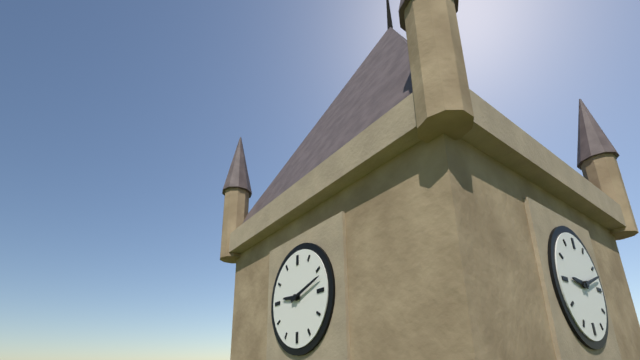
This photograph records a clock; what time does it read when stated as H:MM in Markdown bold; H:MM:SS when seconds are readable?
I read **9:12**
